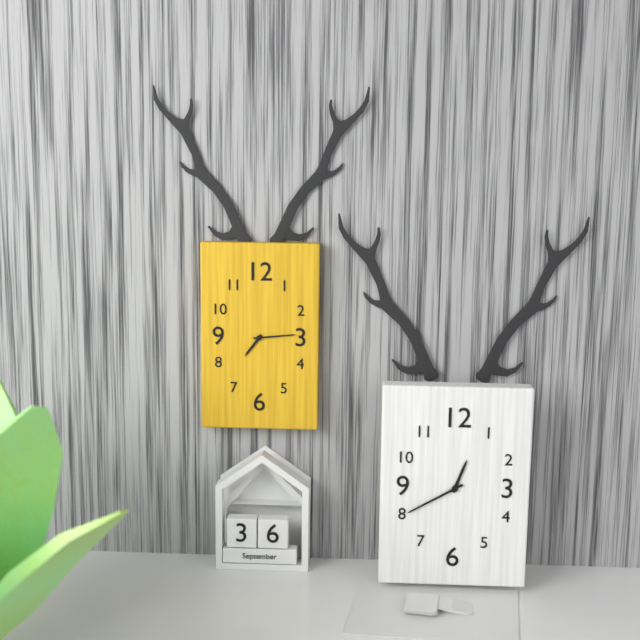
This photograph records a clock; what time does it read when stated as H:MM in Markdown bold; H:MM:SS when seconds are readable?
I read **7:14**
